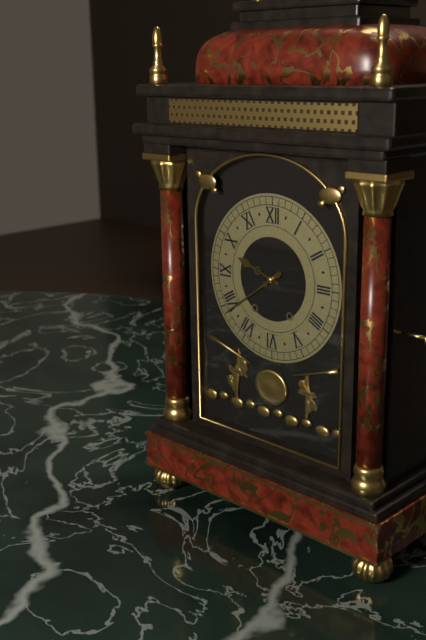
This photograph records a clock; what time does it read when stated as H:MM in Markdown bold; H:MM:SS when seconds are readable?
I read **9:39**
